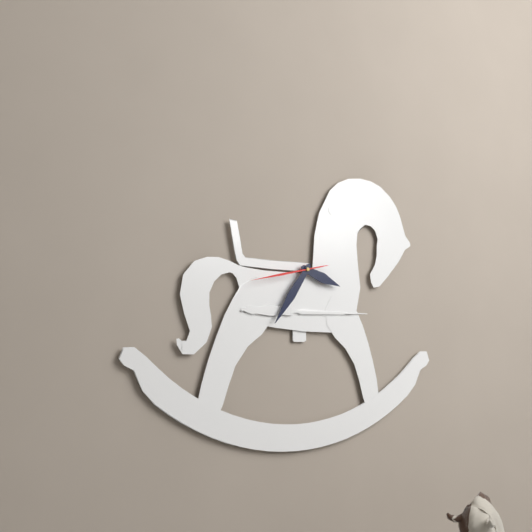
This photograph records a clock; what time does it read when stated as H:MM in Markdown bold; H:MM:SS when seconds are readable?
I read **3:36:43**
